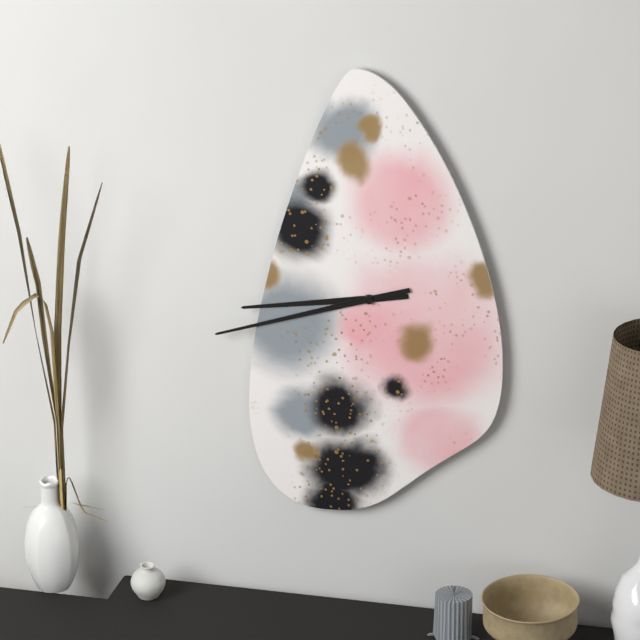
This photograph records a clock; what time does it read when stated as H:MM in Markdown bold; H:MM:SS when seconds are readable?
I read **8:42**
